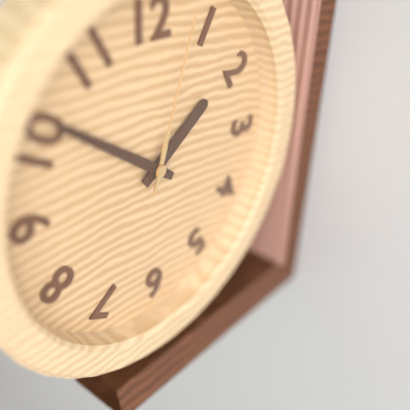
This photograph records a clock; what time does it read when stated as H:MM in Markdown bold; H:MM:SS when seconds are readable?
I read **1:51:03**
